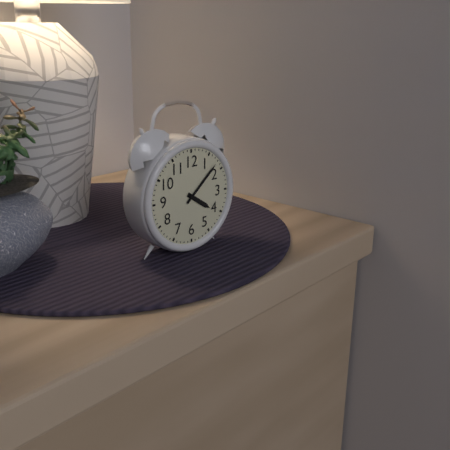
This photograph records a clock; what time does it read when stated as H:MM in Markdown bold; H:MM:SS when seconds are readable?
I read **4:08**
